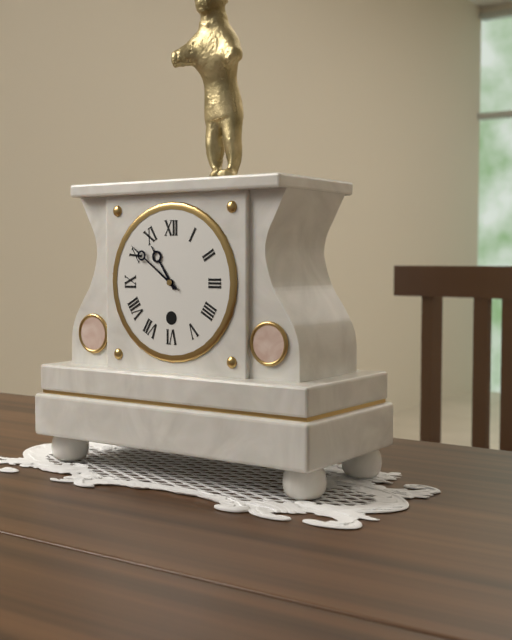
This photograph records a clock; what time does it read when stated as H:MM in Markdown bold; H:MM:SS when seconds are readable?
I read **10:51**
